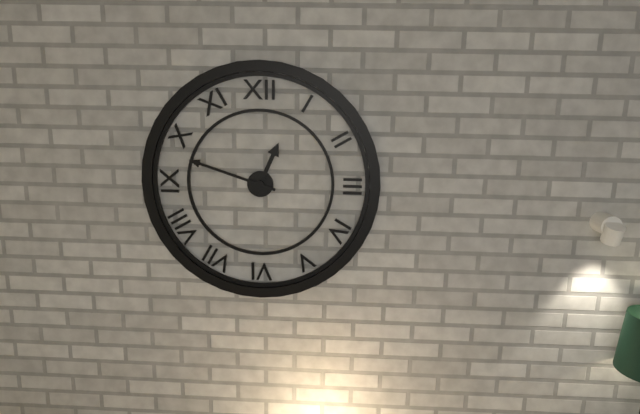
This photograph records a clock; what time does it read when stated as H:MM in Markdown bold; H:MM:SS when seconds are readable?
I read **12:48**
